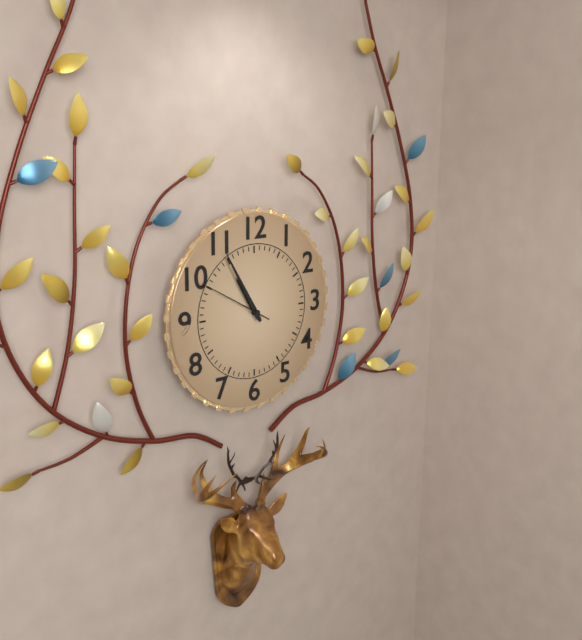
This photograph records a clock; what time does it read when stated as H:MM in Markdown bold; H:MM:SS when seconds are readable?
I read **10:55:50**
